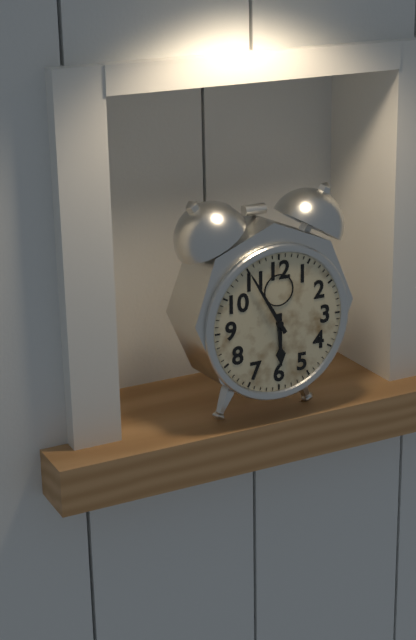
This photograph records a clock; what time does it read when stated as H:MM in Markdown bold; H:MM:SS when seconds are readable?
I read **5:55**
